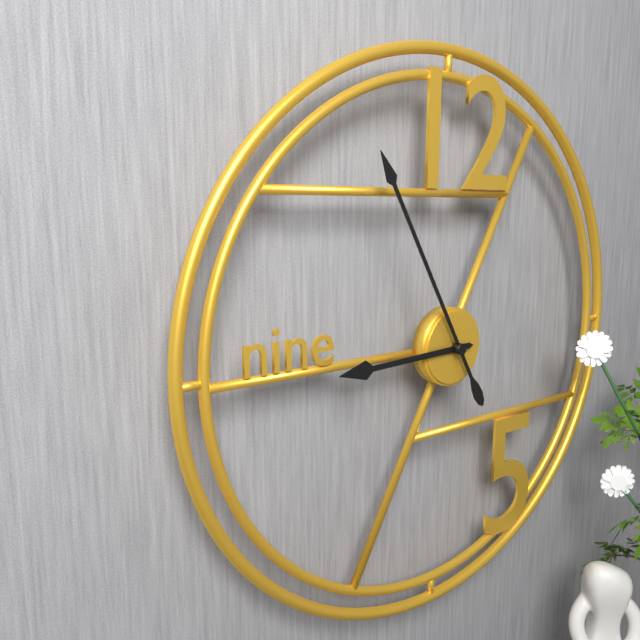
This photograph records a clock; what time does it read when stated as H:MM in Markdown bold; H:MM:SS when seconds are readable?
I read **8:55**
